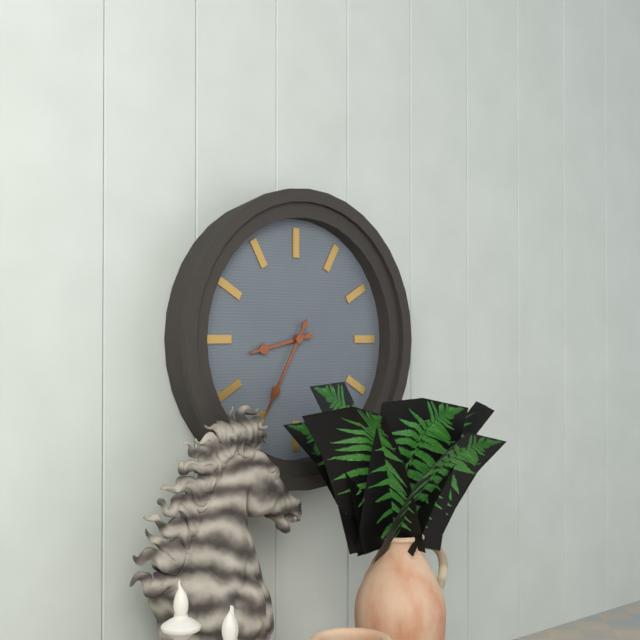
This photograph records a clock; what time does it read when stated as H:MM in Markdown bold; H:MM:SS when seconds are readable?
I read **8:35**
